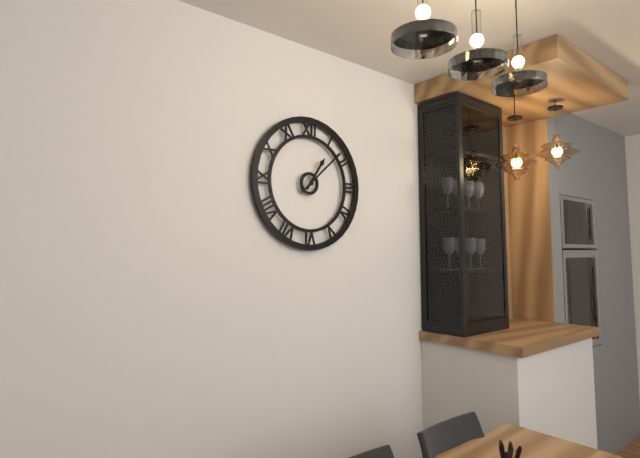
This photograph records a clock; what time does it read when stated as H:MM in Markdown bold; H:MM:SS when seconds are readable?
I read **1:08**
